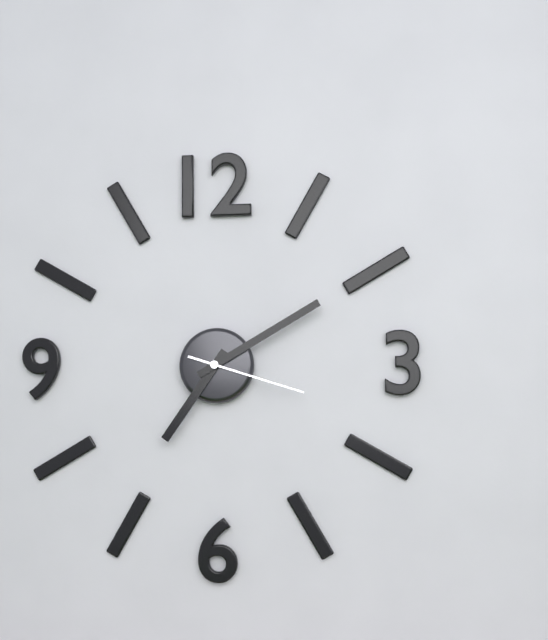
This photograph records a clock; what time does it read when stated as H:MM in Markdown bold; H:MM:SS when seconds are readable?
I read **7:10:18**
